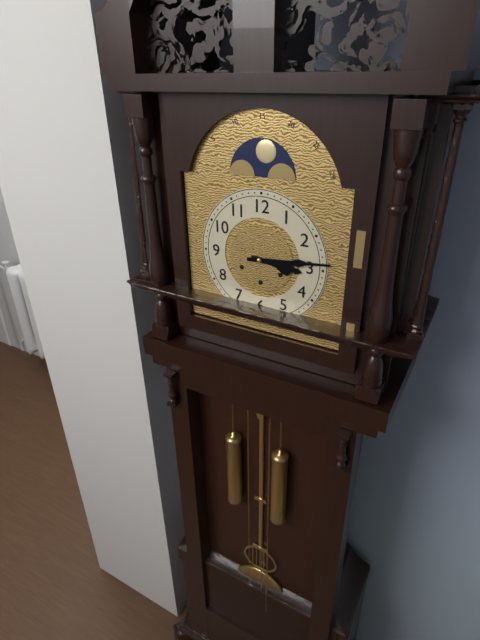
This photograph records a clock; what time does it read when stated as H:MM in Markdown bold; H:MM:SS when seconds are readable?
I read **3:14**
